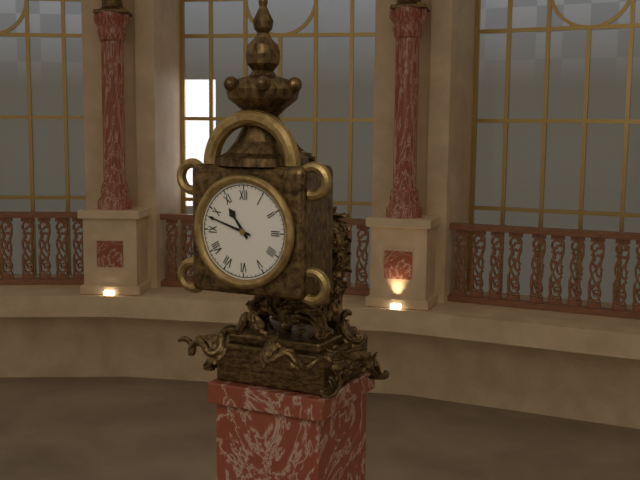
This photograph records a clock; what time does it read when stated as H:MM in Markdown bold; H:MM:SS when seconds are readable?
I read **10:48**
